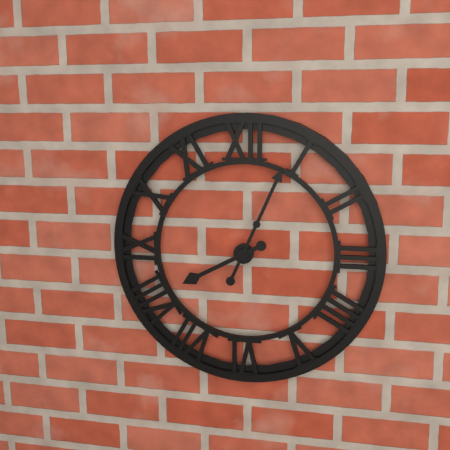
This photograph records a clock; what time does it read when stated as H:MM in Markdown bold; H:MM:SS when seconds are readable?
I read **8:04**
